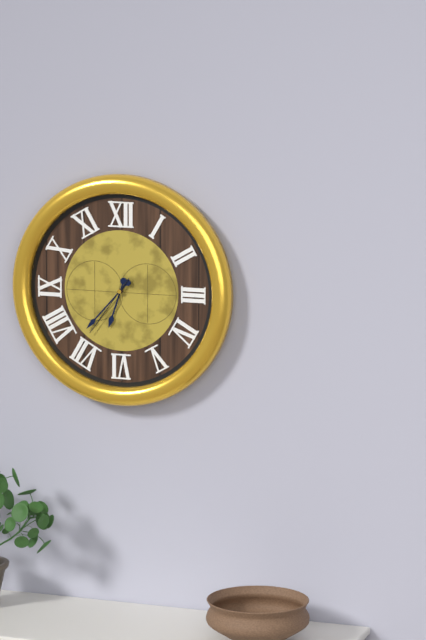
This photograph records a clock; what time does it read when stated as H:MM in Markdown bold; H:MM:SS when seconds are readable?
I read **6:37:36**
